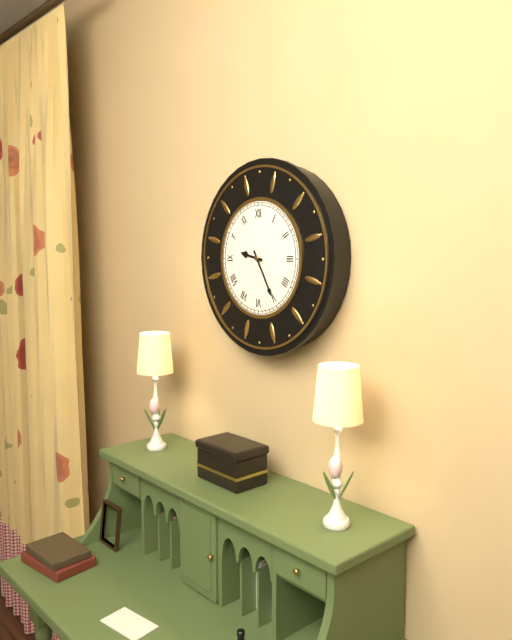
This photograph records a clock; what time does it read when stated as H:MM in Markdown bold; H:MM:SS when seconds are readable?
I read **9:25**
